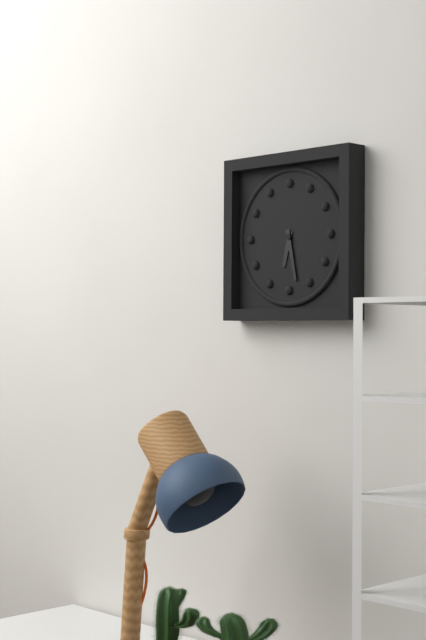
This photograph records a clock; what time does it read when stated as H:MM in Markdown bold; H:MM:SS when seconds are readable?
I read **6:28**
